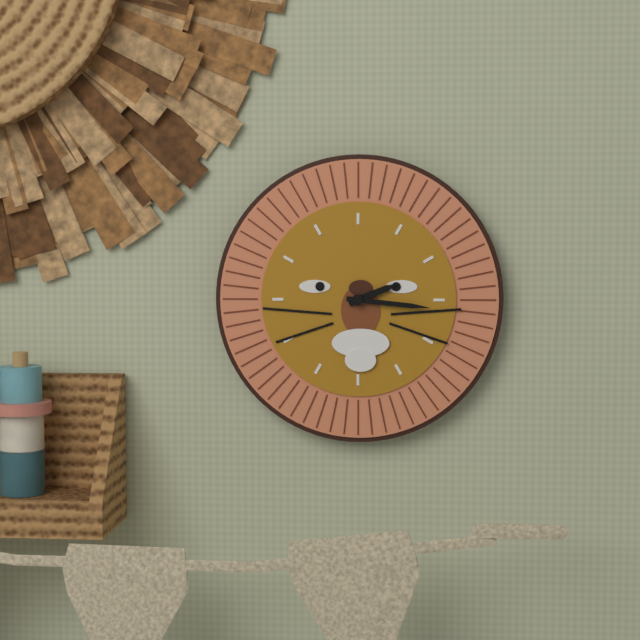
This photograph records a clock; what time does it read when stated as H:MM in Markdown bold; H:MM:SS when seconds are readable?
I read **2:16**
